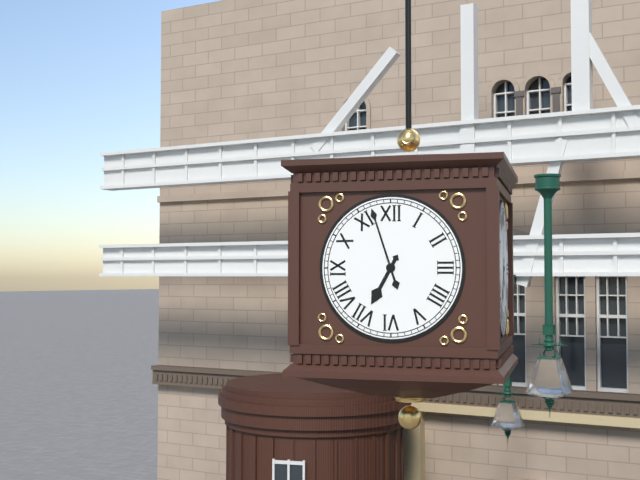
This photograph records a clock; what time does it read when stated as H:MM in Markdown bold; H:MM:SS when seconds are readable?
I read **6:57**
